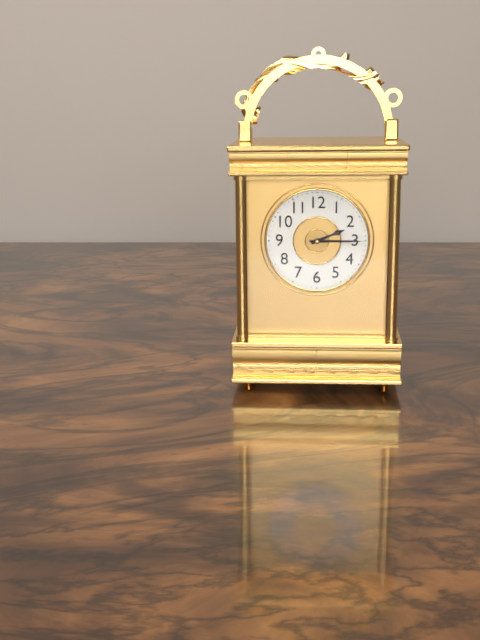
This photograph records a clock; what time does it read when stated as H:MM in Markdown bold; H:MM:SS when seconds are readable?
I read **2:15**
